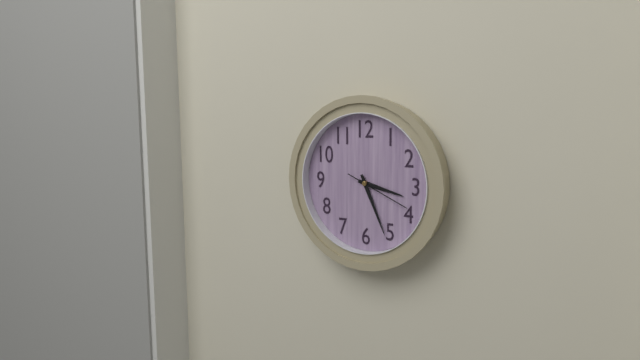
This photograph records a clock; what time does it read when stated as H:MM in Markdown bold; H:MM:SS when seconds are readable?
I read **3:26:19**
